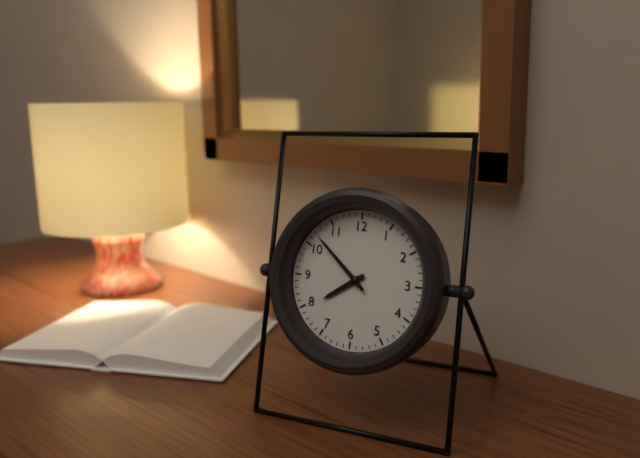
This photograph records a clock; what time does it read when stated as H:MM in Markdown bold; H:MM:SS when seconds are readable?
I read **7:52**
